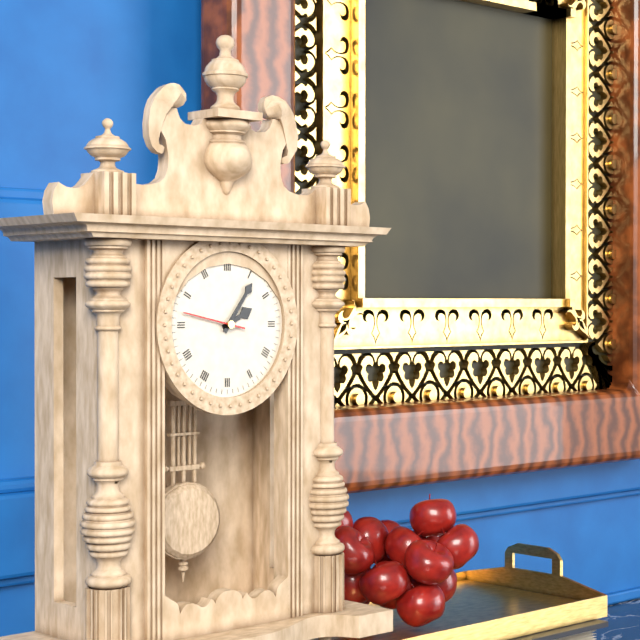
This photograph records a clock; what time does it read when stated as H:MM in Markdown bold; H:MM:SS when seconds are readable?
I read **2:06:47**
